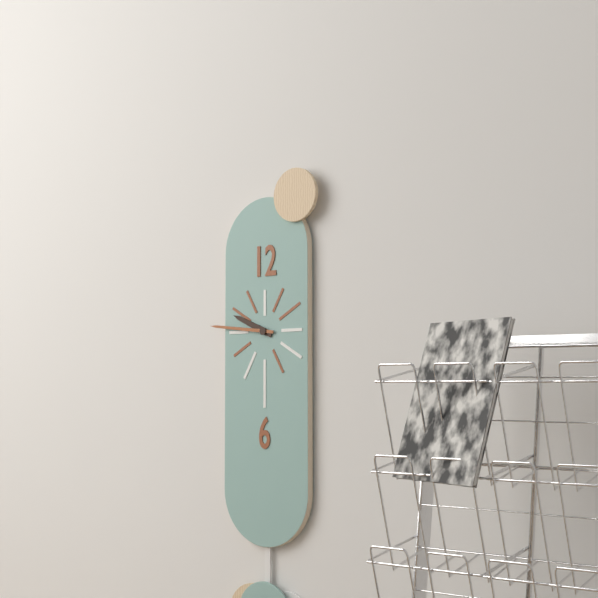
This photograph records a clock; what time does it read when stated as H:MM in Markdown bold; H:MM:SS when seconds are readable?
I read **9:46**
